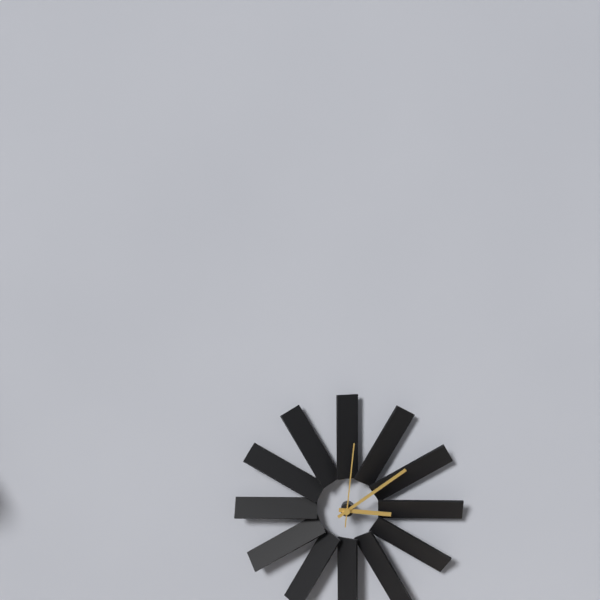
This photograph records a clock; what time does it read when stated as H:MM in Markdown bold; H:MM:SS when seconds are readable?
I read **3:09:01**
